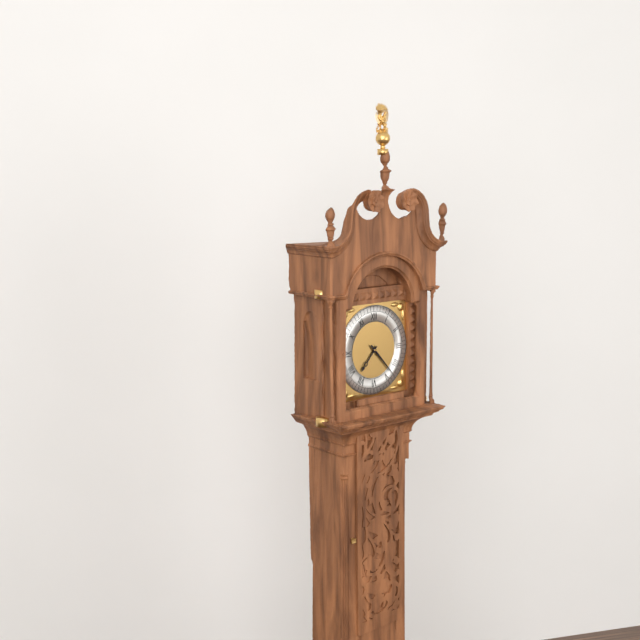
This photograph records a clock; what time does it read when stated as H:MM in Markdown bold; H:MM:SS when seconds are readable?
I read **7:23**
